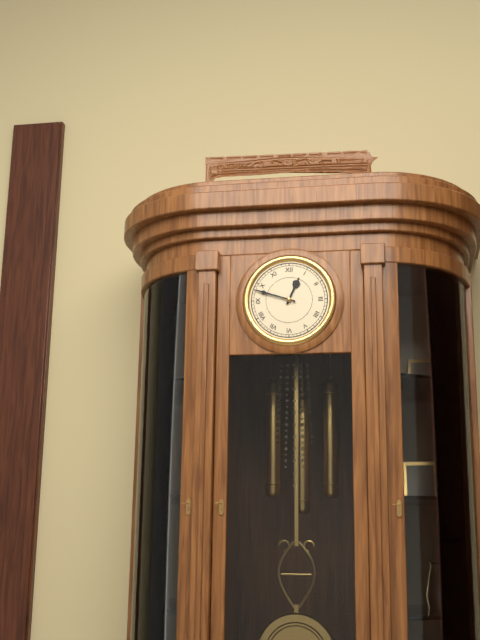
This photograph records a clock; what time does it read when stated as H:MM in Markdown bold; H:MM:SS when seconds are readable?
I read **12:48**
